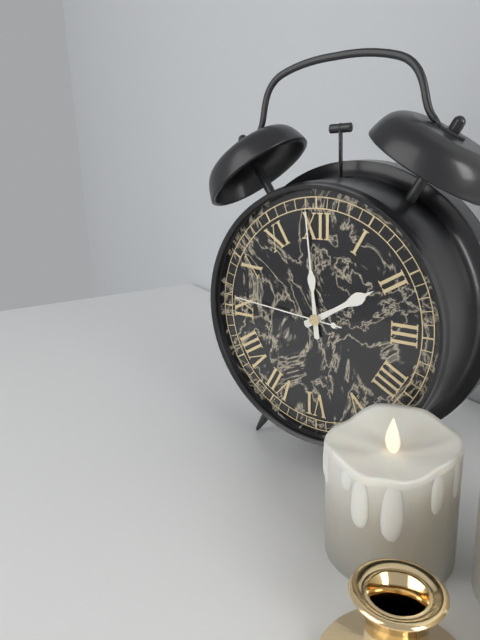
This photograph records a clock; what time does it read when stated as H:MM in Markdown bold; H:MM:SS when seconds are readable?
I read **1:59:46**
